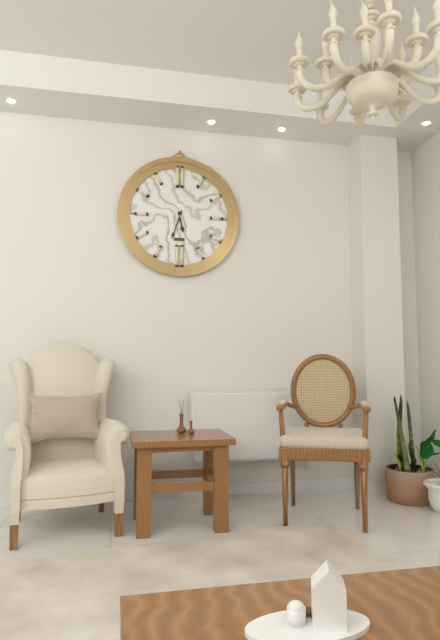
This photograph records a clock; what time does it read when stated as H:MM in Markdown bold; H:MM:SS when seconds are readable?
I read **5:33**
